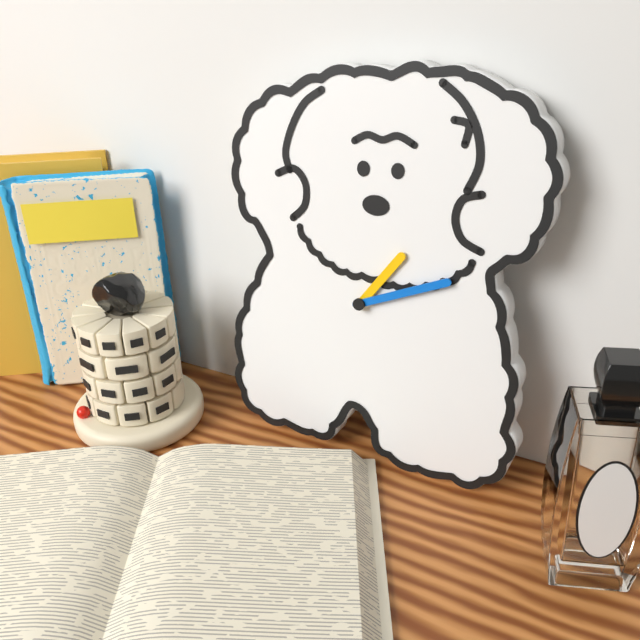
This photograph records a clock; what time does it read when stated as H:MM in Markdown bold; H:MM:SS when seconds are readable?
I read **1:11**
